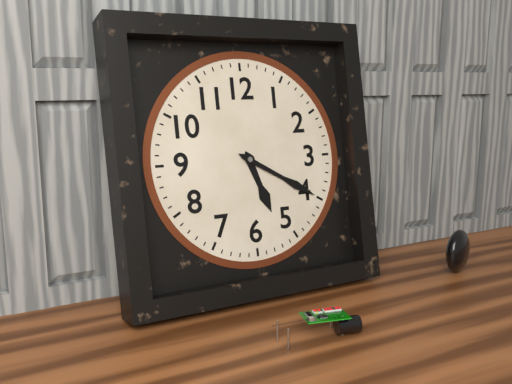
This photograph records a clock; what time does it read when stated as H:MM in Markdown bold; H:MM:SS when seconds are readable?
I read **5:20**
